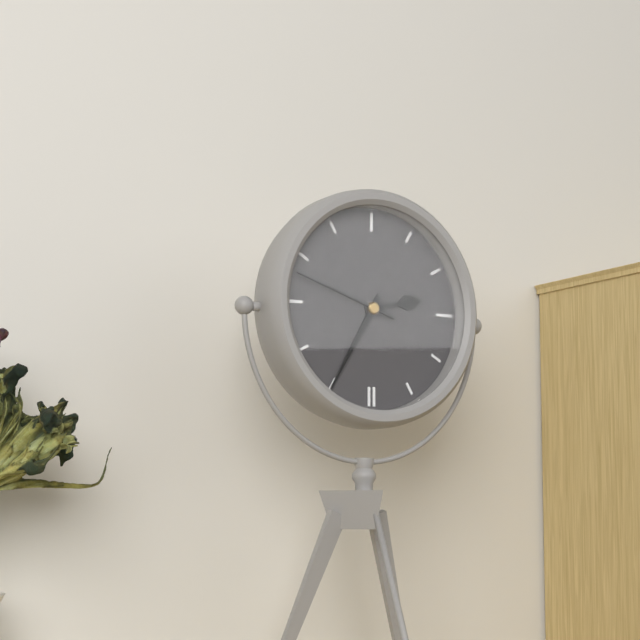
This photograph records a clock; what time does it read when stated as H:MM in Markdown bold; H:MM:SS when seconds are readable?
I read **2:35:48**
